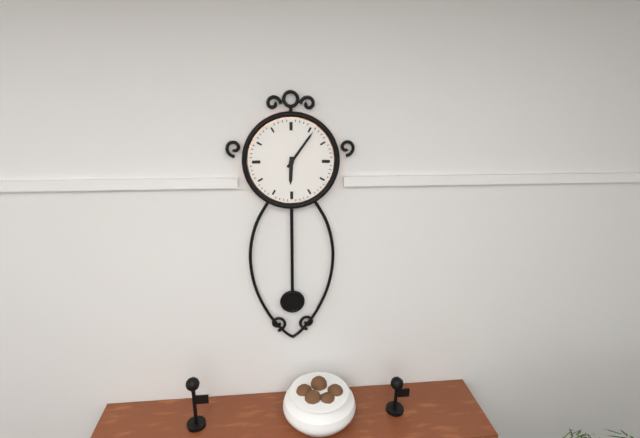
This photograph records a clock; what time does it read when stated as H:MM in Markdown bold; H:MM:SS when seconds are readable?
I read **6:06**
